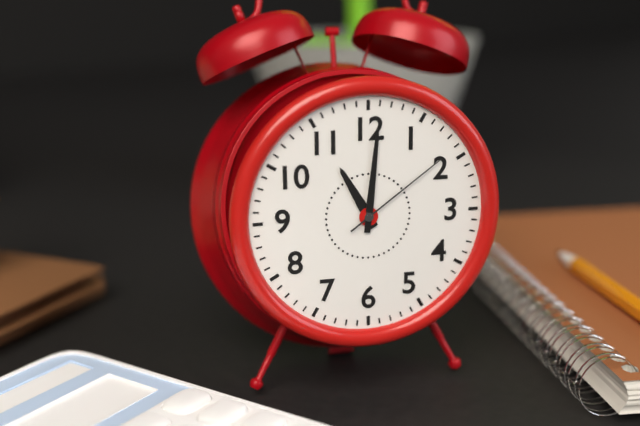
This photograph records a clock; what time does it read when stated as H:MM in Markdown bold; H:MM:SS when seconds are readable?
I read **11:01:09**
